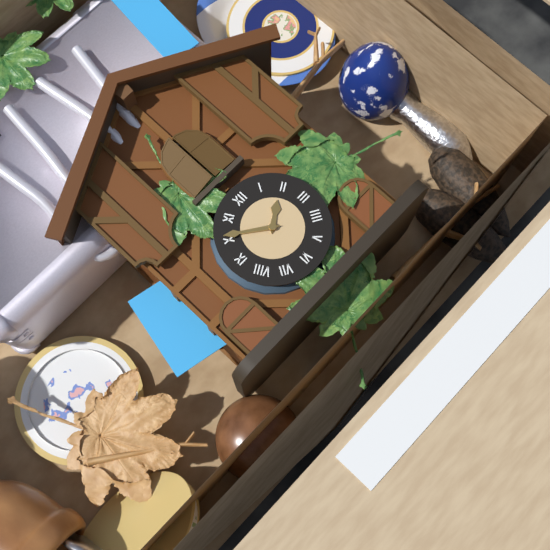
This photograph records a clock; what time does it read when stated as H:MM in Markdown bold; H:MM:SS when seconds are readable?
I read **1:51**
